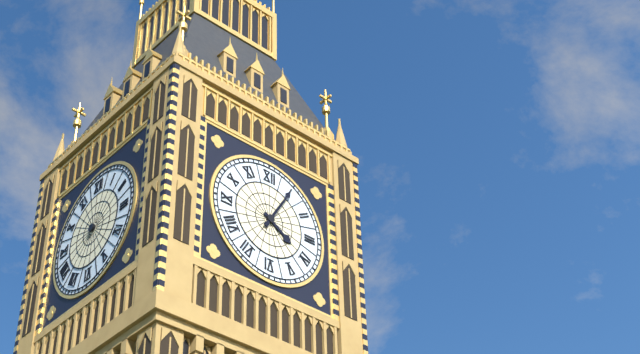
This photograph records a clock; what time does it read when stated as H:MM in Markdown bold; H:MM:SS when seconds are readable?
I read **4:05**
